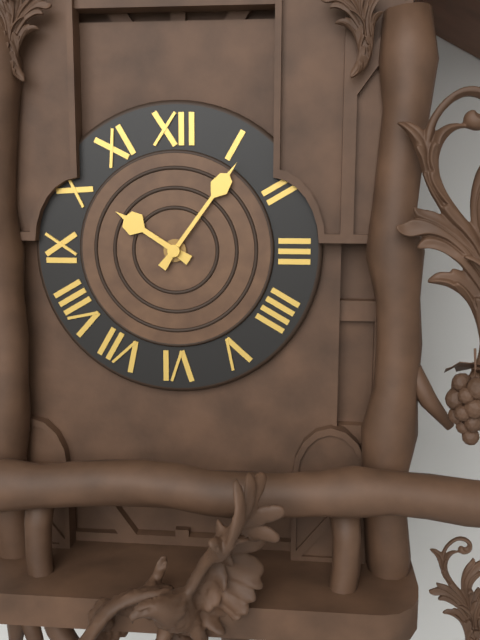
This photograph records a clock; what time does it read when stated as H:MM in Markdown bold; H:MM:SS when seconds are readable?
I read **10:06**
